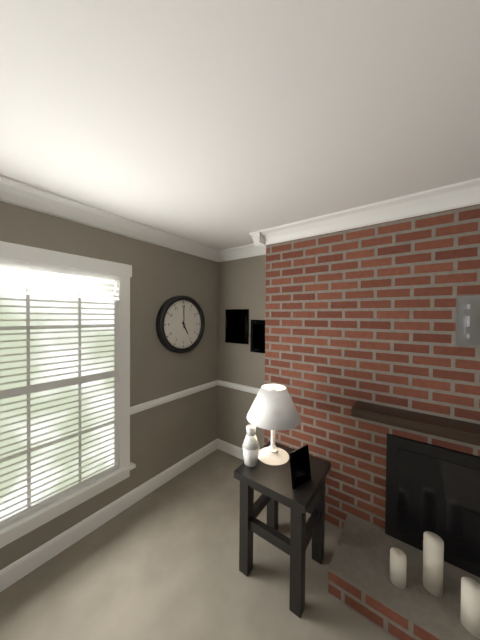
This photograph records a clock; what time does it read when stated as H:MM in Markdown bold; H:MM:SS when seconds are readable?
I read **5:00**
